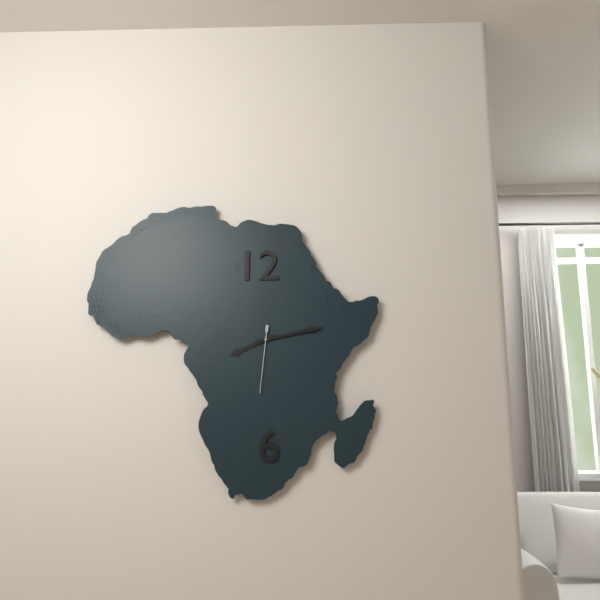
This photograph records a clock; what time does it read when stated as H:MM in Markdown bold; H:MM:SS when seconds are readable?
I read **8:13:31**
